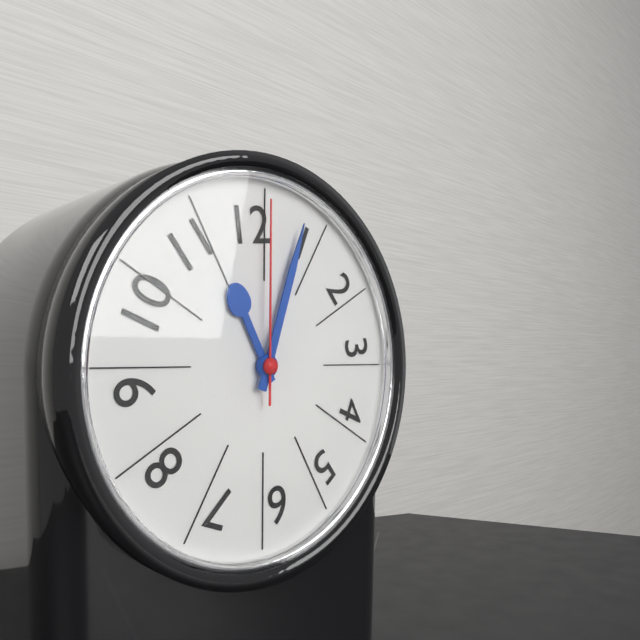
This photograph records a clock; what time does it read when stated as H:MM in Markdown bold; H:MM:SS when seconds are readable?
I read **11:03:00**
